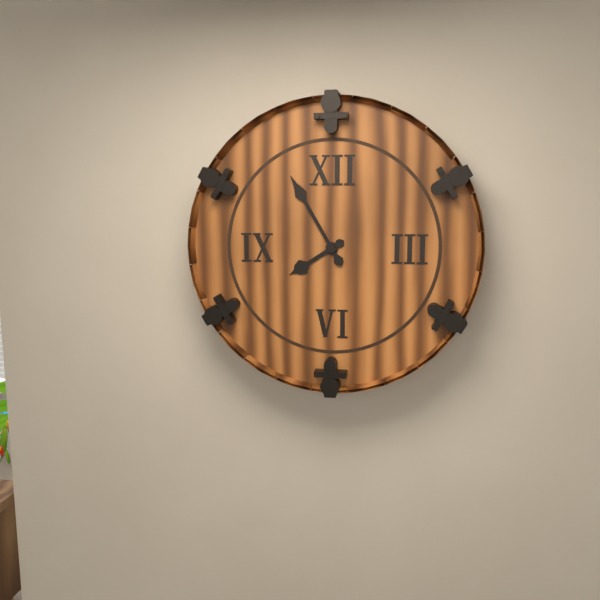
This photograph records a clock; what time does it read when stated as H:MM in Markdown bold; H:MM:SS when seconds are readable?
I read **7:55**
